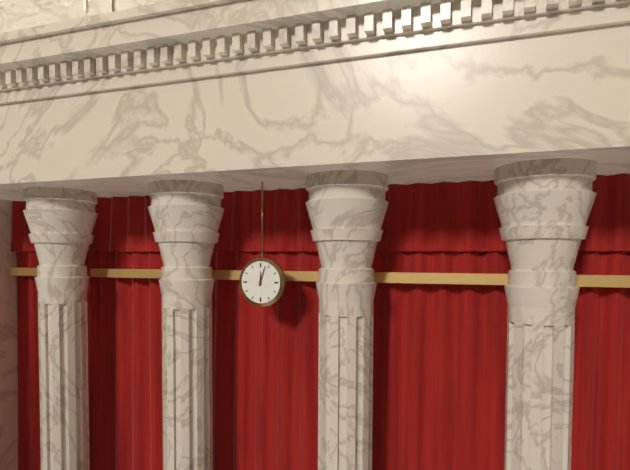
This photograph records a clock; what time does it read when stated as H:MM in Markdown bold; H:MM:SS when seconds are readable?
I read **12:03**
